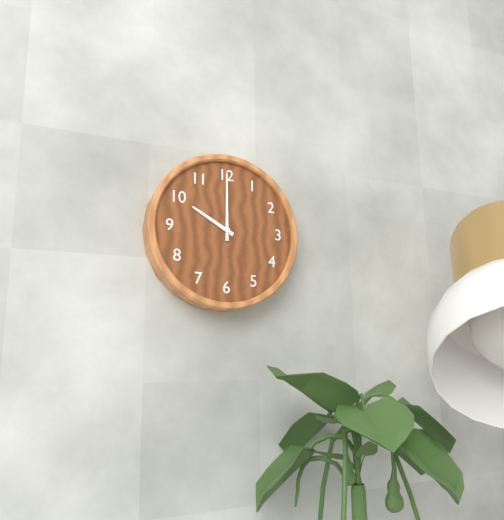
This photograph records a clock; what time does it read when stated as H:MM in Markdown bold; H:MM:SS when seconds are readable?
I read **10:00**
